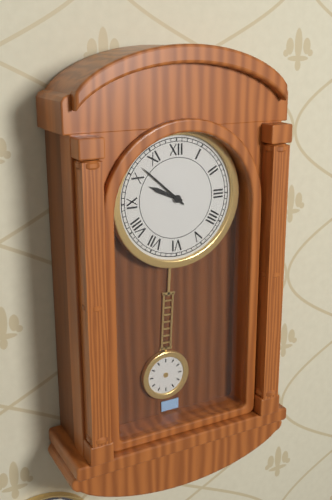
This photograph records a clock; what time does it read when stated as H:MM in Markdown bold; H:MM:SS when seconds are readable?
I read **9:52**
